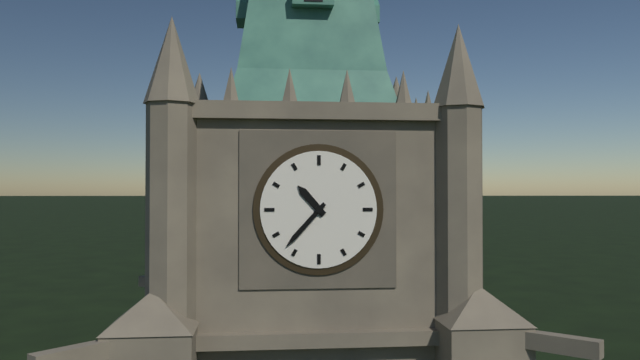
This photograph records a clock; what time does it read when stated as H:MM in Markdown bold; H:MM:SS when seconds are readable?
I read **10:37**
